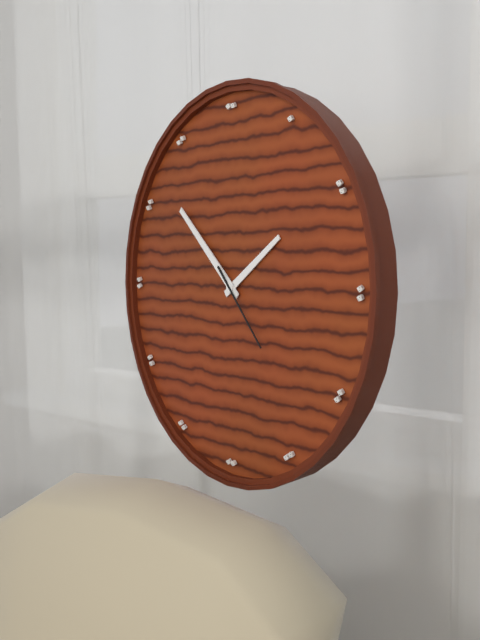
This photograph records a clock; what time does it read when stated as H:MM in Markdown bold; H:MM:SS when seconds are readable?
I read **1:52:23**
